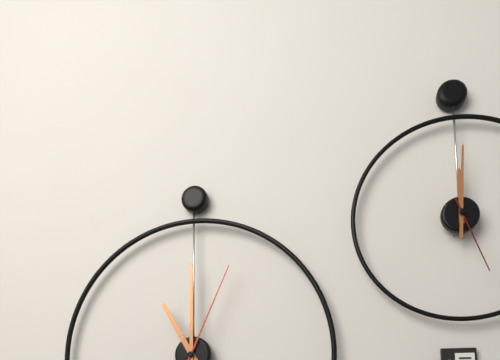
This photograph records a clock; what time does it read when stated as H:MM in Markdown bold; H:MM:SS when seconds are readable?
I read **11:00:04**
